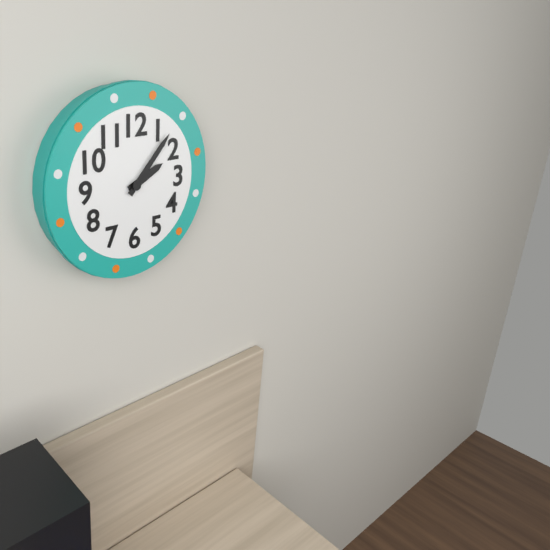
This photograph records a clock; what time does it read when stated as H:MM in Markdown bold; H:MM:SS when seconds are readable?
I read **2:07**
